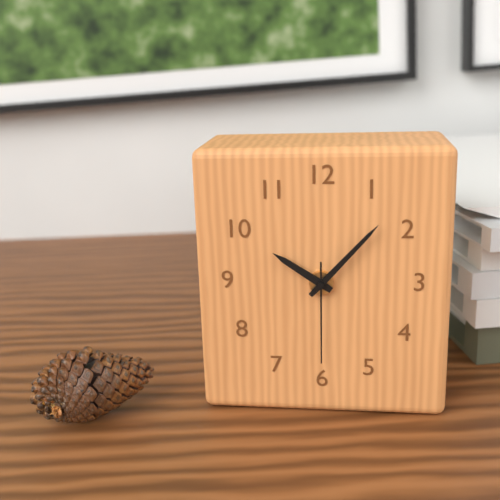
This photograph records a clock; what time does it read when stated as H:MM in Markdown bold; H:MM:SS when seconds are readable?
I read **10:07:30**
